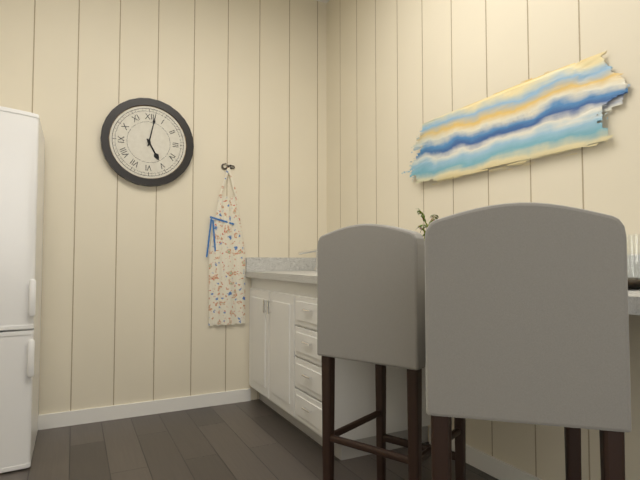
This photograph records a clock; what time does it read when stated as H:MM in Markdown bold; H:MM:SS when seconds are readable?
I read **5:02**
